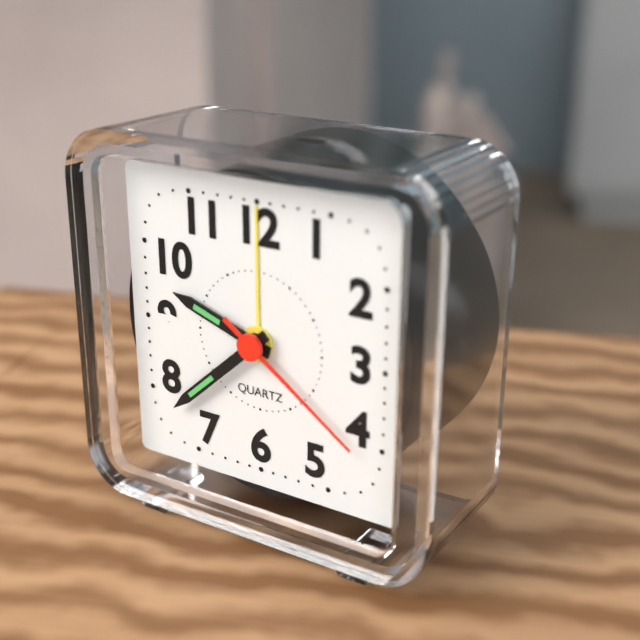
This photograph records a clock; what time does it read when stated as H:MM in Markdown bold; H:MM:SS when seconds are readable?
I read **9:38:21**
